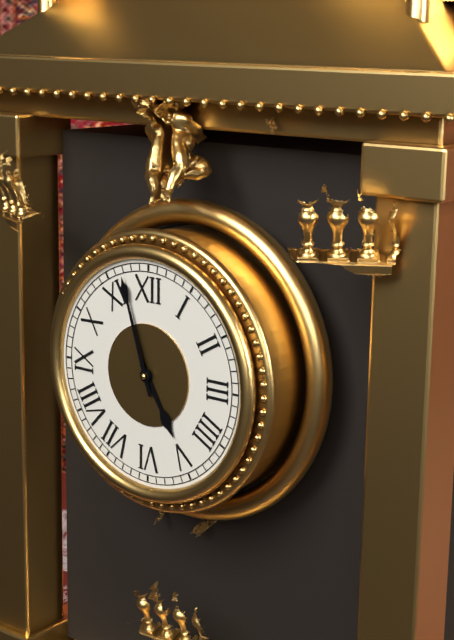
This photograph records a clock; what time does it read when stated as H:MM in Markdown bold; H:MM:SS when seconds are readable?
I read **4:57**
